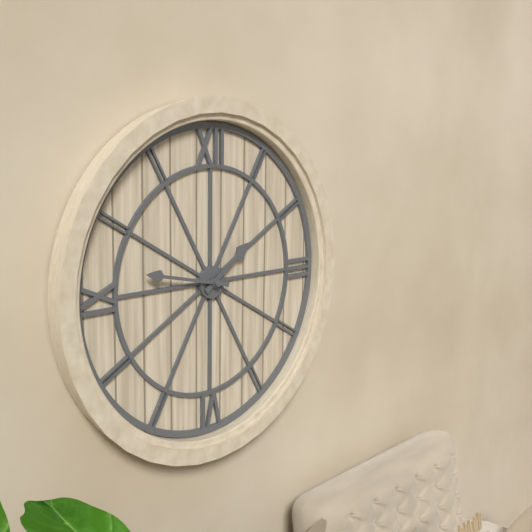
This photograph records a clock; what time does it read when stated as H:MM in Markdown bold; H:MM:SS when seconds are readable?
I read **1:47**
